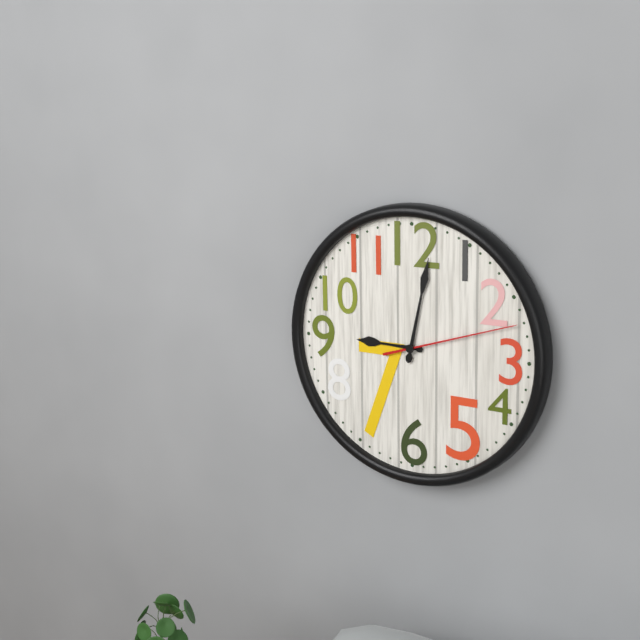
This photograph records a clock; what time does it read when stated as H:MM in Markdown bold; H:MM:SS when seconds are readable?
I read **9:02:12**
